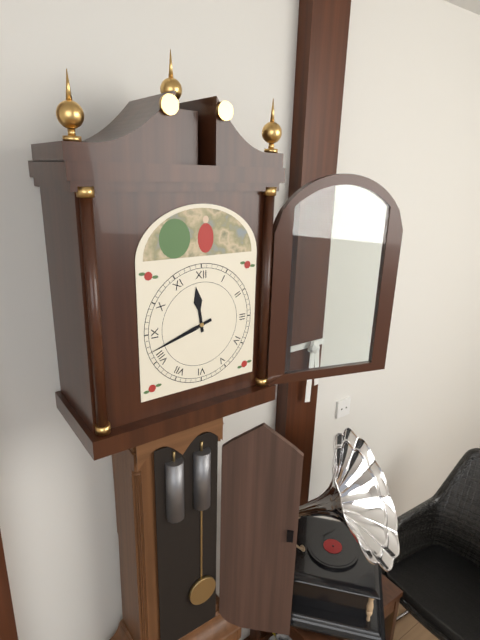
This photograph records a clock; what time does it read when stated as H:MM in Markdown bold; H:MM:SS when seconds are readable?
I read **11:42**
